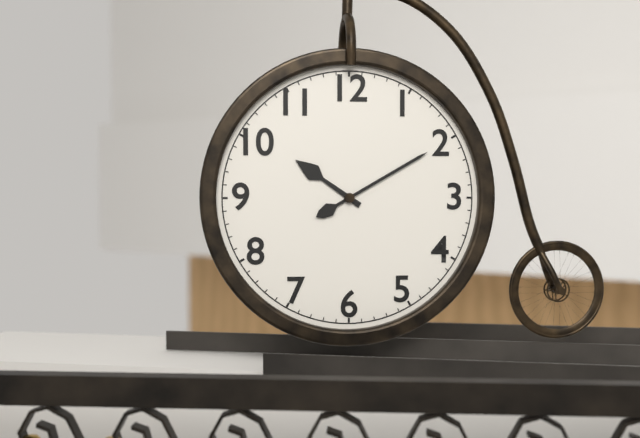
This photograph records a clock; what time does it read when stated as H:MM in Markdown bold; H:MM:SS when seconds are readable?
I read **10:10**
